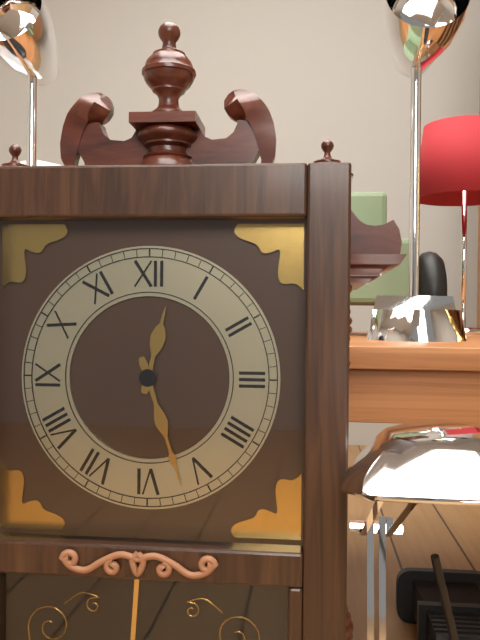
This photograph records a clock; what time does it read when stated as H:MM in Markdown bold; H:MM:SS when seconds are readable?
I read **12:27**
